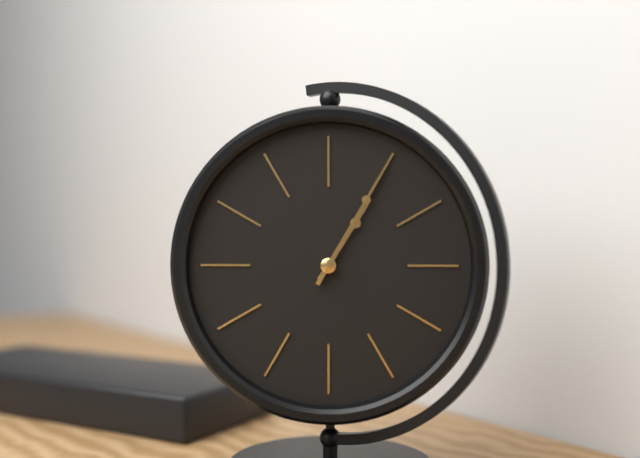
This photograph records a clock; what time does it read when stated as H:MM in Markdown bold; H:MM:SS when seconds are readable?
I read **1:05**
